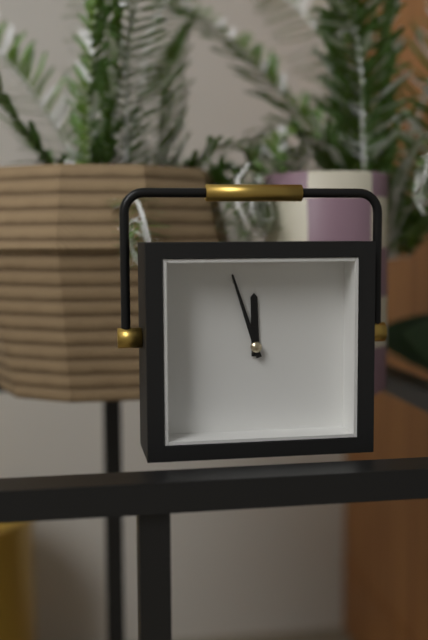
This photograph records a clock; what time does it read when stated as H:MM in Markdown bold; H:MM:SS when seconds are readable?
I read **11:57**
